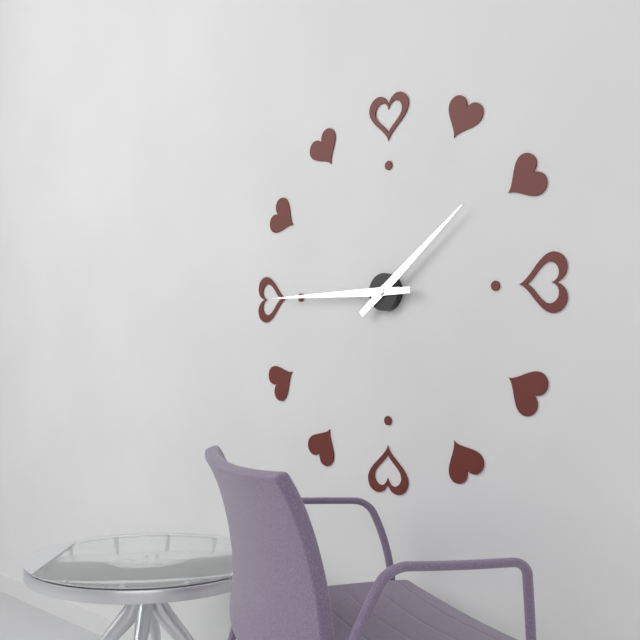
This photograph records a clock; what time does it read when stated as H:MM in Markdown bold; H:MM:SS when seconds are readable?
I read **1:45**
